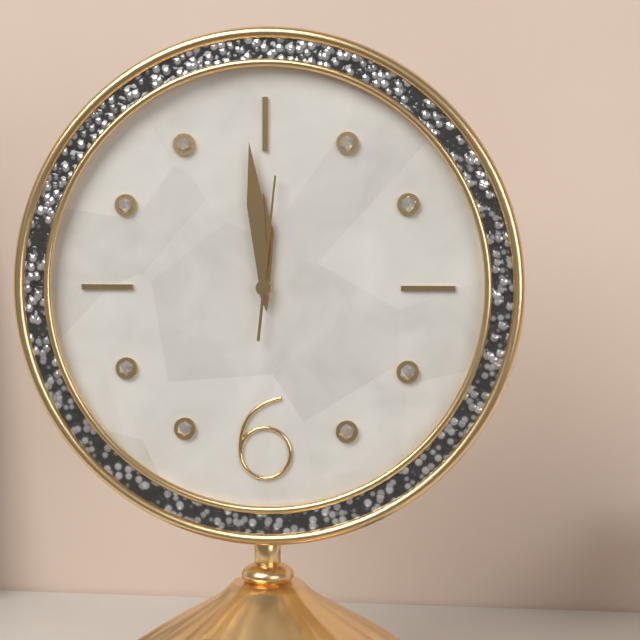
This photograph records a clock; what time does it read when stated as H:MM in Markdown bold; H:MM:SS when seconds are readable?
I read **11:59:01**
